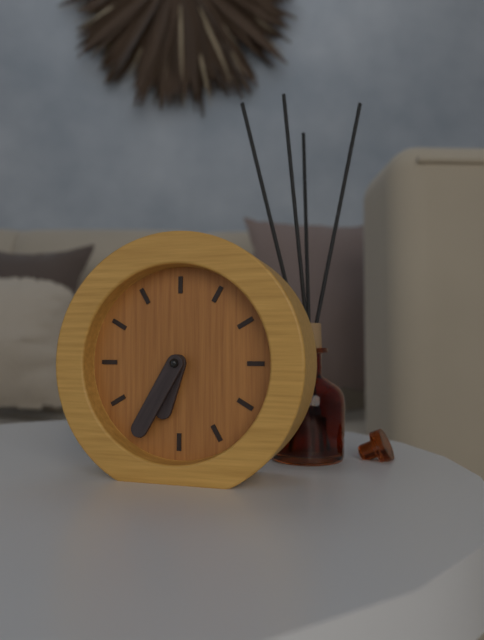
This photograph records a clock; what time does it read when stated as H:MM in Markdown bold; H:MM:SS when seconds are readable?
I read **6:35**
